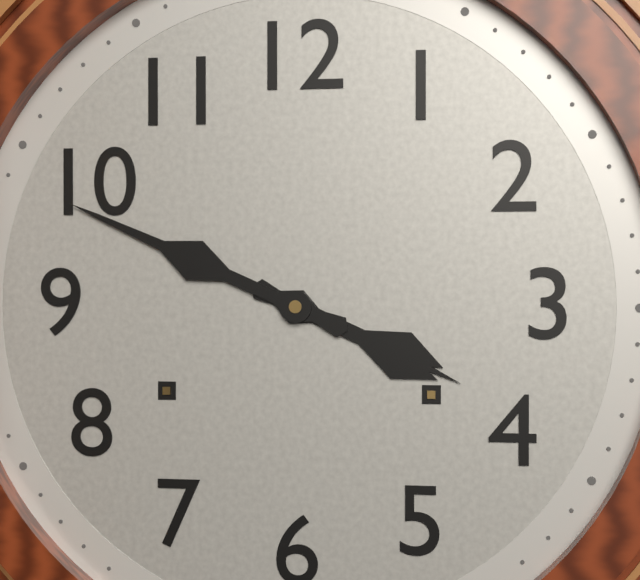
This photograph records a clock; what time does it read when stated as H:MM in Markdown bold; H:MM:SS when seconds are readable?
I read **3:49**
